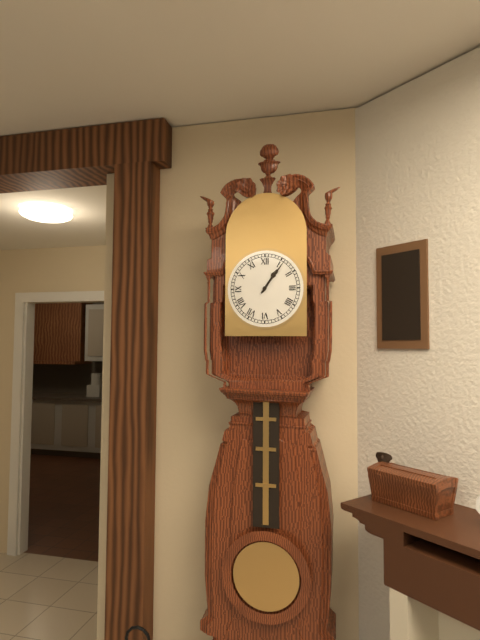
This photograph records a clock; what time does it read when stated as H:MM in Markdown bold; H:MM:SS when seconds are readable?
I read **1:06**
